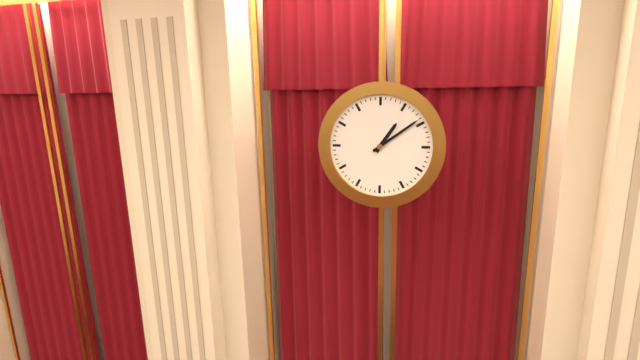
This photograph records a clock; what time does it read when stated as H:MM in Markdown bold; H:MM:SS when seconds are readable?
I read **1:09**
